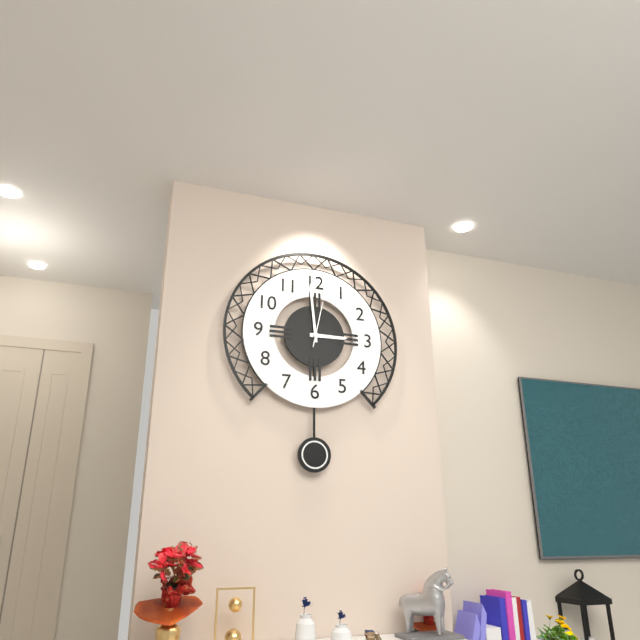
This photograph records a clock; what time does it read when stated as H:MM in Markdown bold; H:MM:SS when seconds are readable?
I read **2:59:02**
